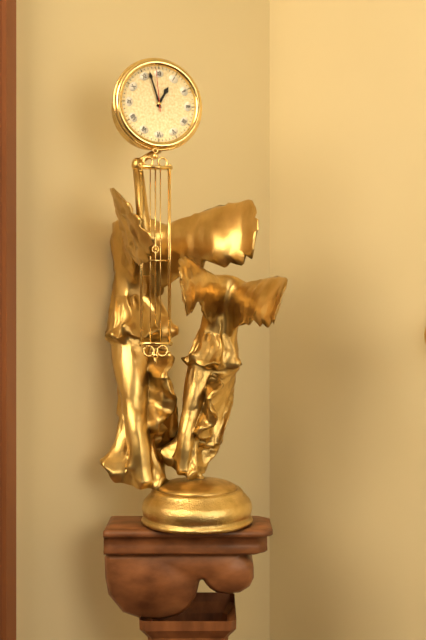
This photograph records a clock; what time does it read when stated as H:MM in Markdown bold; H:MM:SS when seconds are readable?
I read **12:57**
